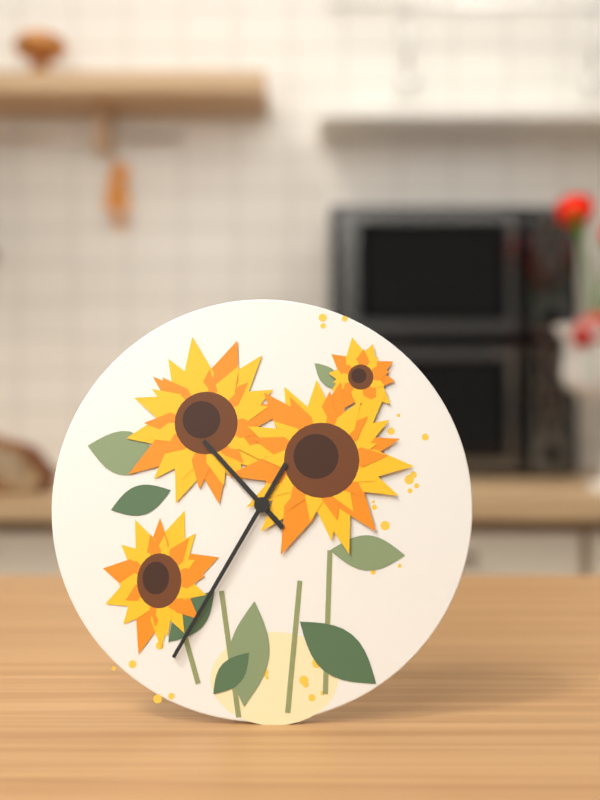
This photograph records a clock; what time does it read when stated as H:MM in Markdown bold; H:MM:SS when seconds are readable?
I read **10:35**
